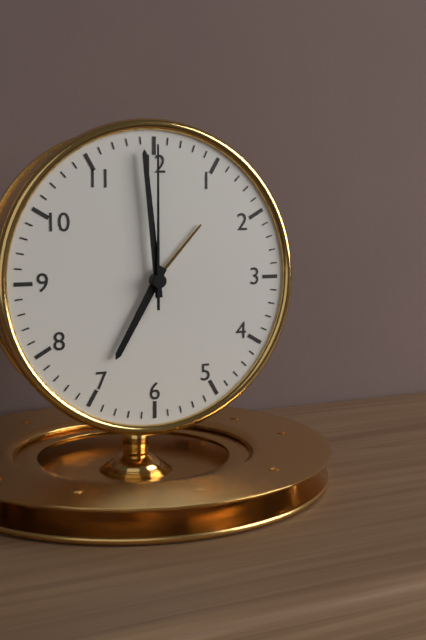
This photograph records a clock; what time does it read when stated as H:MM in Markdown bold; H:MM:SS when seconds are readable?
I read **6:59:00**
